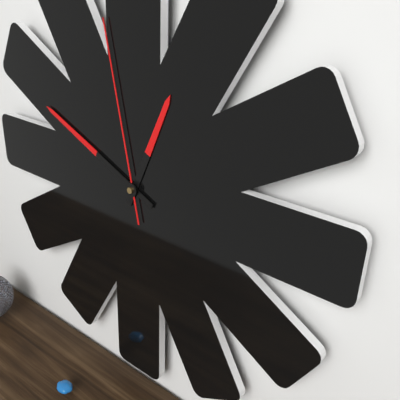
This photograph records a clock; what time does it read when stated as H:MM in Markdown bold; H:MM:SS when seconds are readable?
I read **12:49:58**
